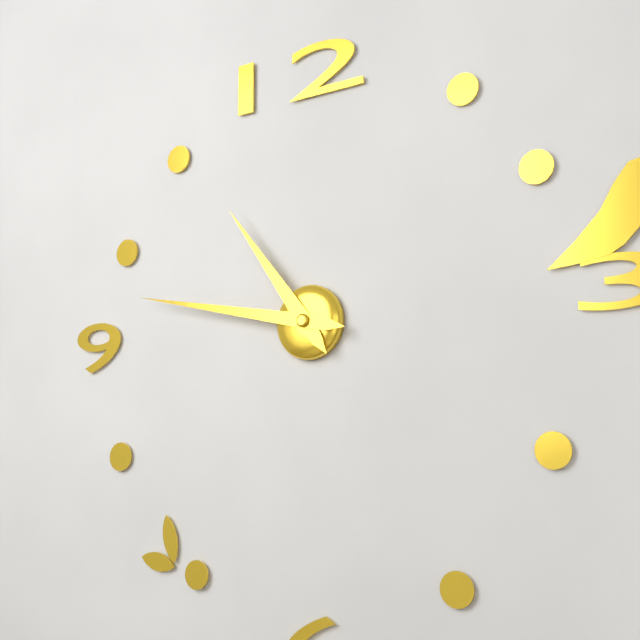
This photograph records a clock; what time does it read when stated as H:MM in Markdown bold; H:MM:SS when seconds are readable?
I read **10:47**
